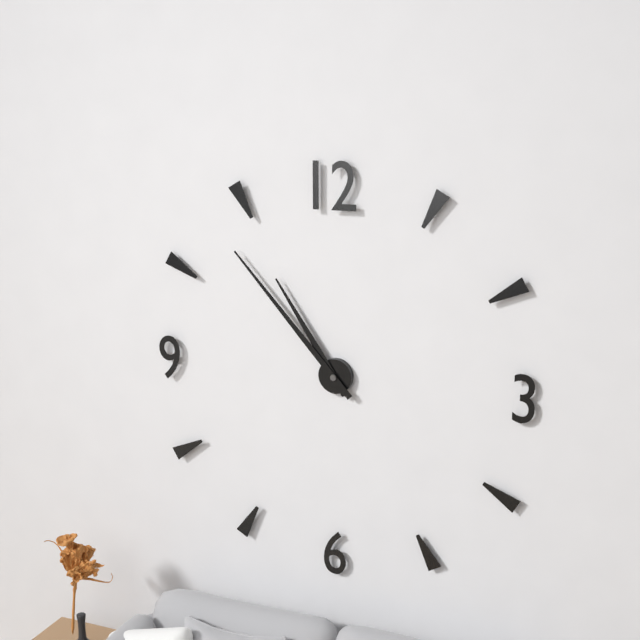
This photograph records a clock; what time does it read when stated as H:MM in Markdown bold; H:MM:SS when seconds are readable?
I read **10:53**
